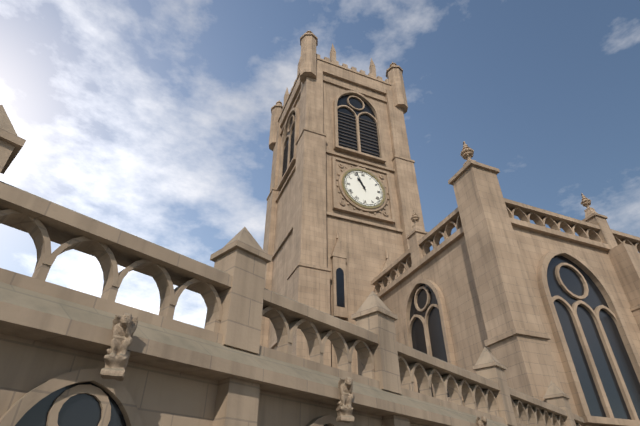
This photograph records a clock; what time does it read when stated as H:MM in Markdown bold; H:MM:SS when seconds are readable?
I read **10:56**
